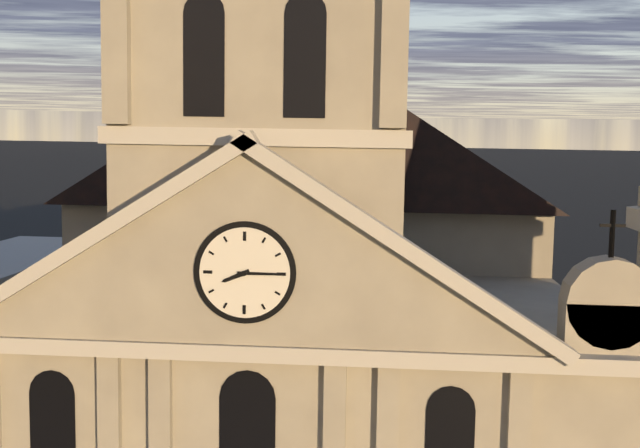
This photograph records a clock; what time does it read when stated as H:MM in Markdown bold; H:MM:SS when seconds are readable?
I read **8:15**
